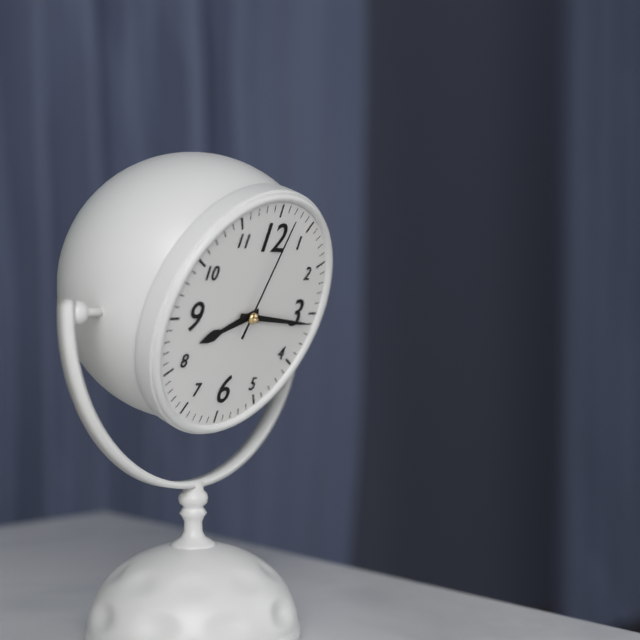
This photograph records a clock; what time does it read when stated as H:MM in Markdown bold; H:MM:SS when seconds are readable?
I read **8:16:02**
